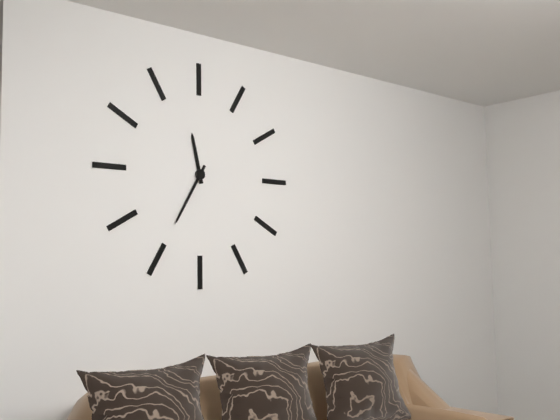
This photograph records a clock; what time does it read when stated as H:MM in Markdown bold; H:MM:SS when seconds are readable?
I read **11:35**
